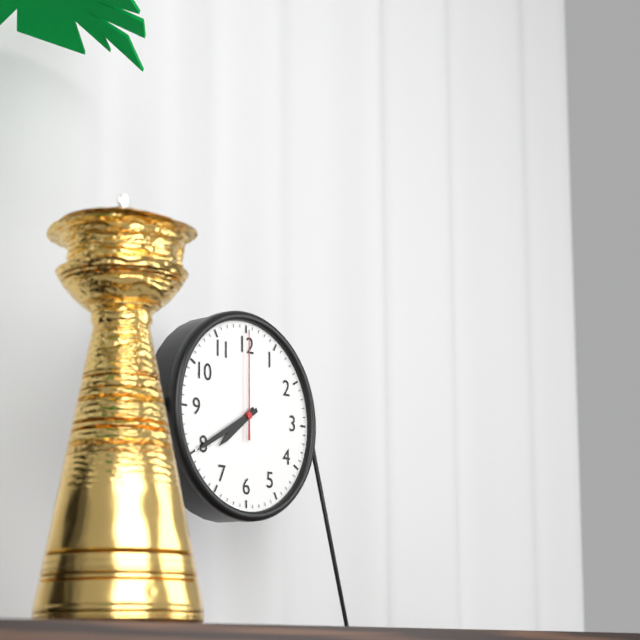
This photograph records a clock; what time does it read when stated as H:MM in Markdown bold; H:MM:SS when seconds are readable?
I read **7:40:00**
